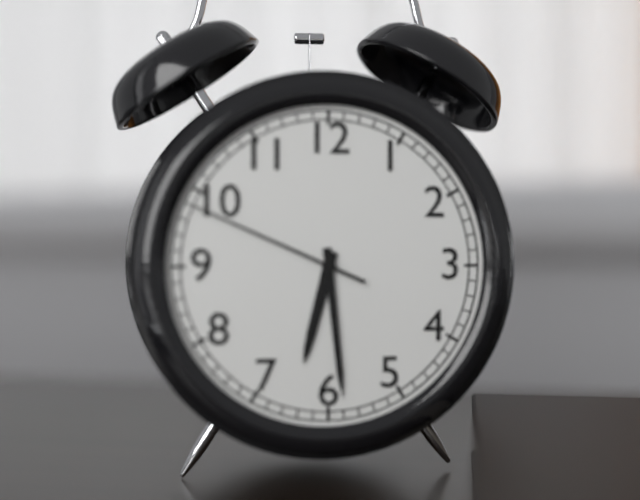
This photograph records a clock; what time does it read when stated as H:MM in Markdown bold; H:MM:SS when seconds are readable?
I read **6:29:49**
